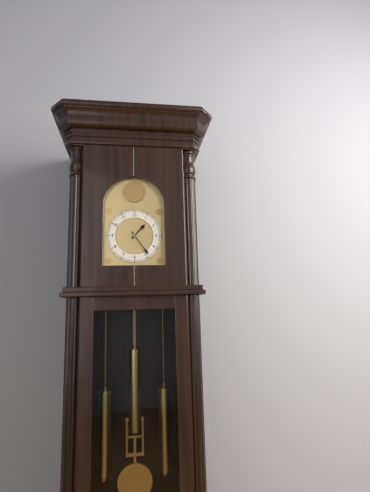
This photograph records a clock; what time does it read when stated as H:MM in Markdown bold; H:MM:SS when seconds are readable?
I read **1:24**
